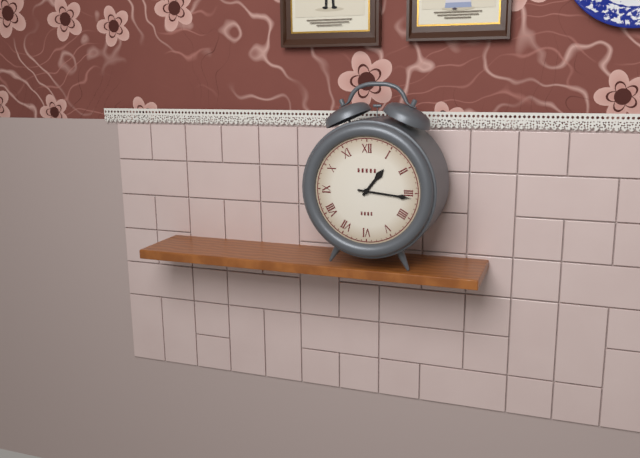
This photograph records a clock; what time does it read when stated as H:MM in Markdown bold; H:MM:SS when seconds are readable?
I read **1:16**
